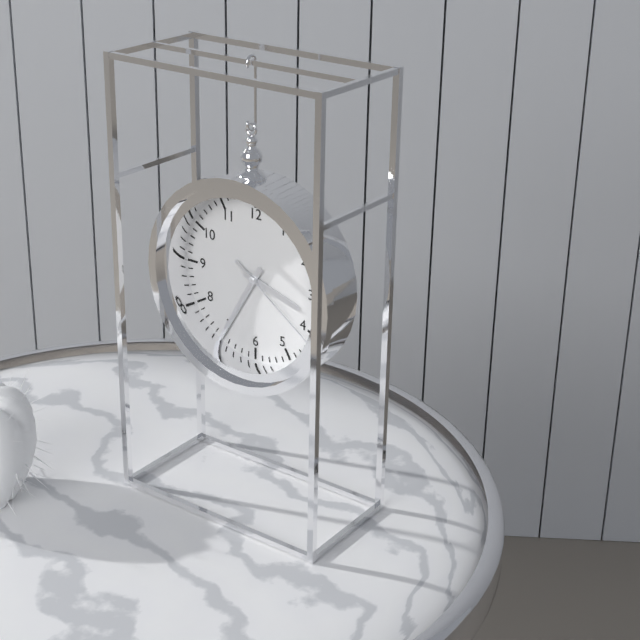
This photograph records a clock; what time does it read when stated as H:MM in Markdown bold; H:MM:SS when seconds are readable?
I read **3:35:21**
